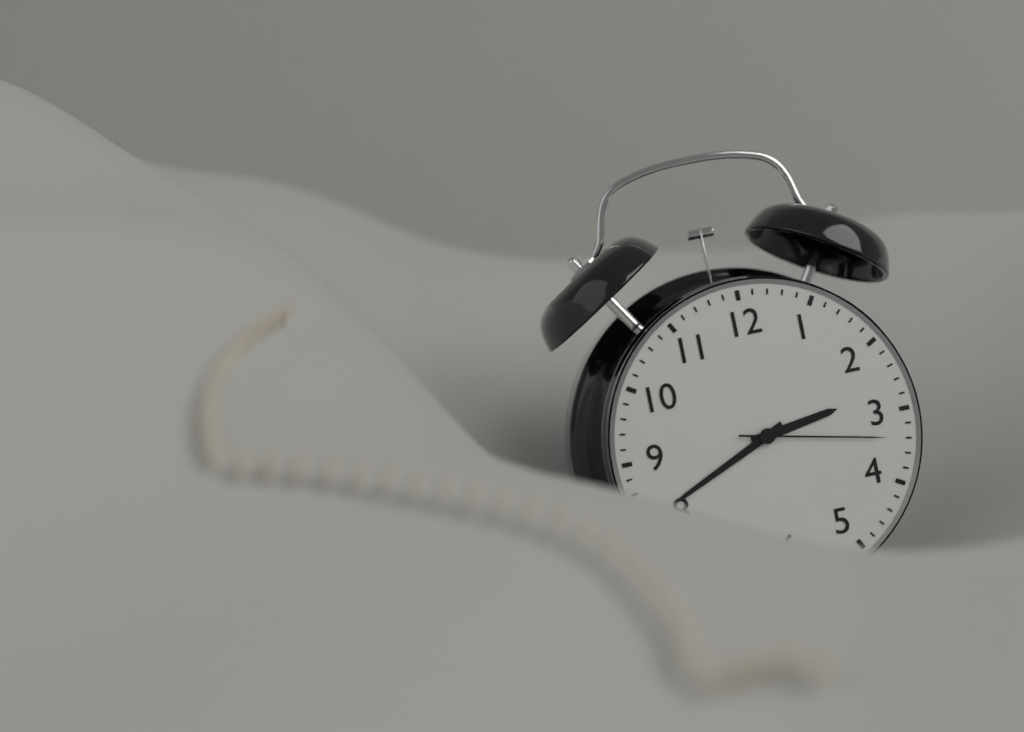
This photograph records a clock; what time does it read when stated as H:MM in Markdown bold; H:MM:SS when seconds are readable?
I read **2:41:17**
